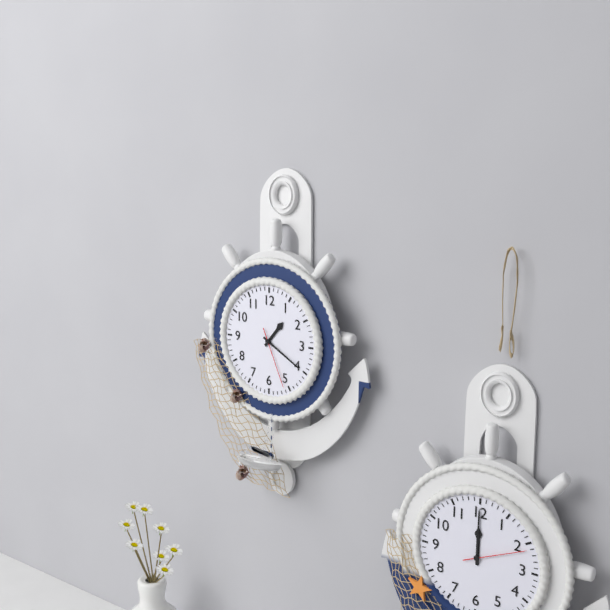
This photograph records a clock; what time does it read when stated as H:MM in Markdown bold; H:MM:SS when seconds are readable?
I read **1:20:26**
